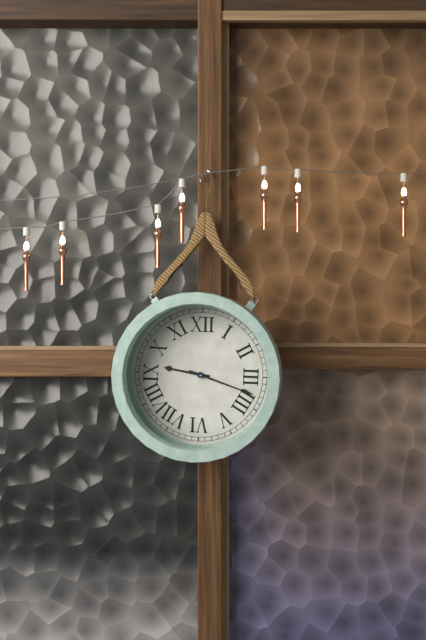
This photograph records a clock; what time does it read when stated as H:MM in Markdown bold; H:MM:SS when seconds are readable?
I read **9:18**
